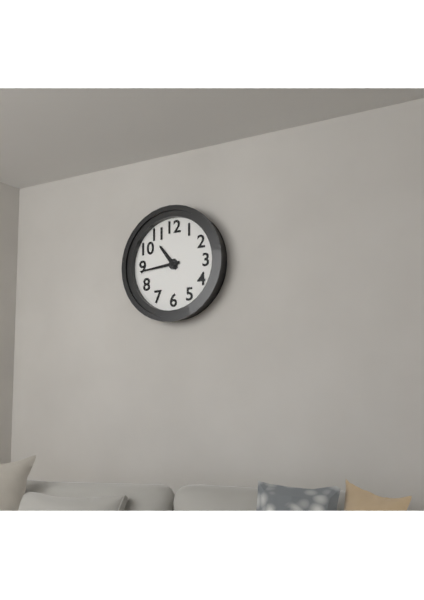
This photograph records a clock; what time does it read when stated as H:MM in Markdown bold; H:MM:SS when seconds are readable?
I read **10:44**
